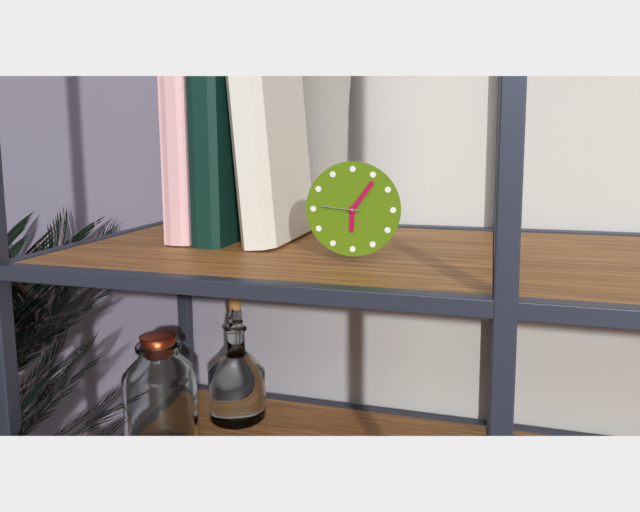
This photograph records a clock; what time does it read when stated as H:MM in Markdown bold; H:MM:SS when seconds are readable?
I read **6:06**
